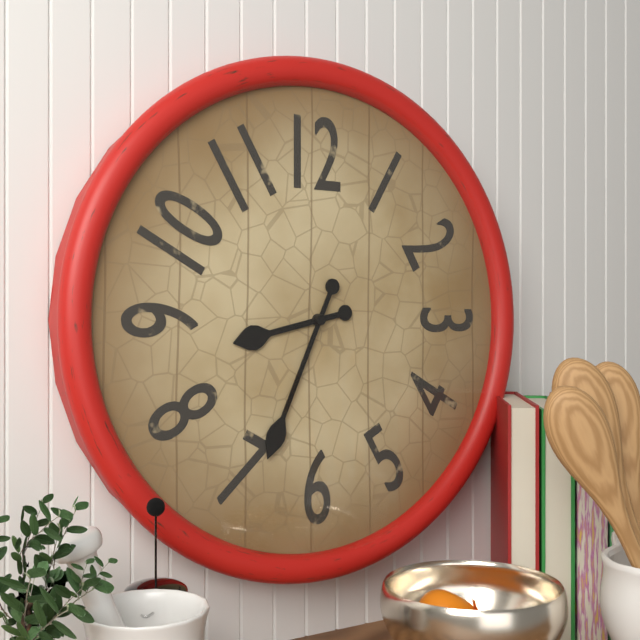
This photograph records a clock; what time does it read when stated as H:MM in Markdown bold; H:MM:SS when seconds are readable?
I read **8:34**
